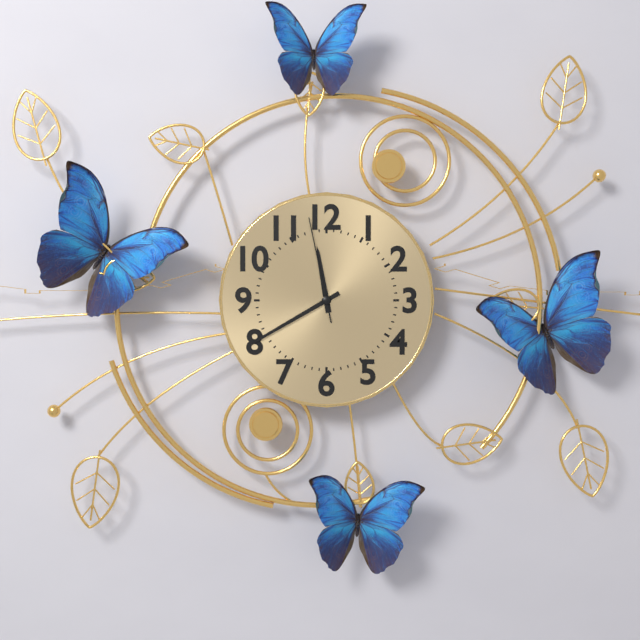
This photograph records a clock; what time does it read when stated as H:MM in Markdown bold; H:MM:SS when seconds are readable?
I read **11:40:58**
